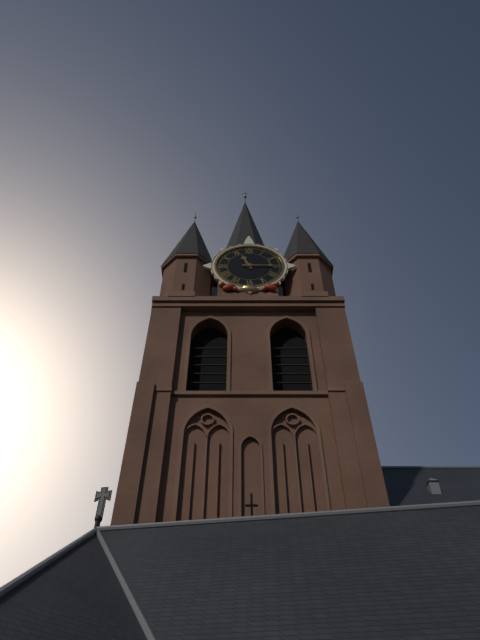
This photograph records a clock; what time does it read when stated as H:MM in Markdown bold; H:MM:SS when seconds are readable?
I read **11:15**
